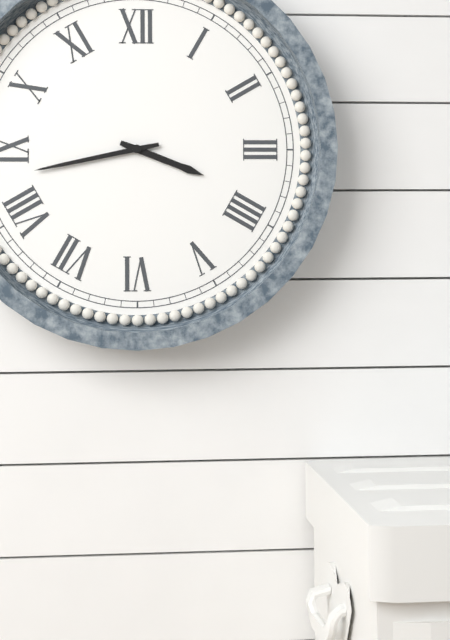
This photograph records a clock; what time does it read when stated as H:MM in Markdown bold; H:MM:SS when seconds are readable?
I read **3:43**
